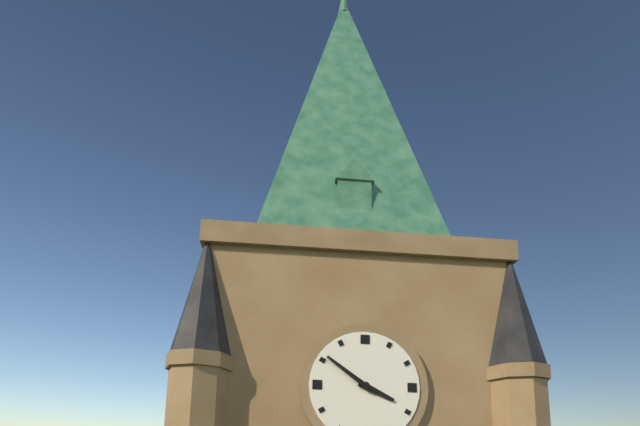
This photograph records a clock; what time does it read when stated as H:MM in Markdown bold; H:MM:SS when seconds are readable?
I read **3:51**
